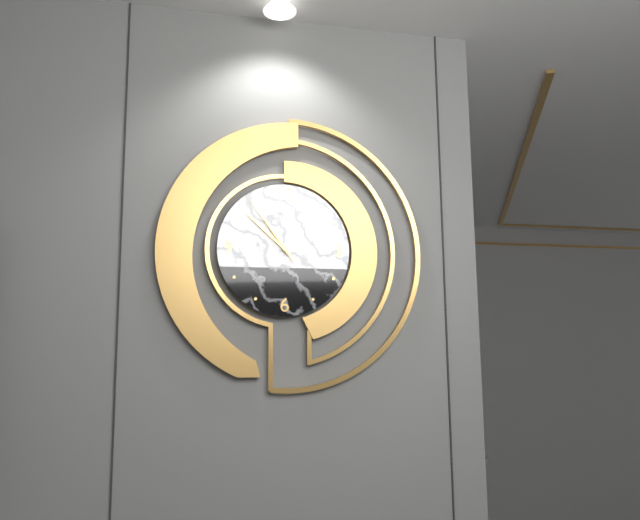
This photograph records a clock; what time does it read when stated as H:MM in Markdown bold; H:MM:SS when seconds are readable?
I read **10:52:54**
